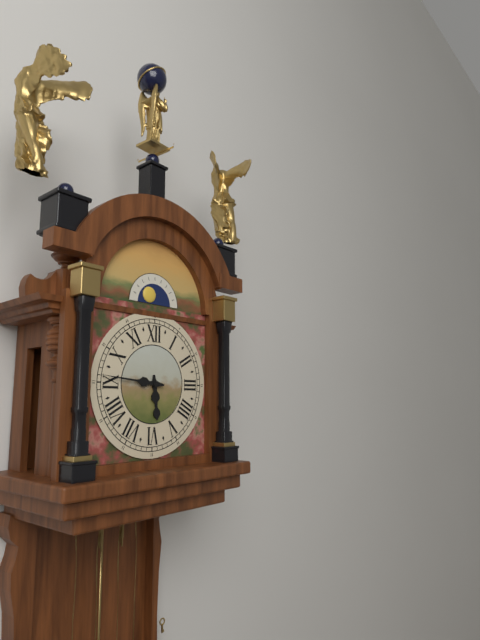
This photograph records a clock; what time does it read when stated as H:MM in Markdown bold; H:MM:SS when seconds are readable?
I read **5:46**
